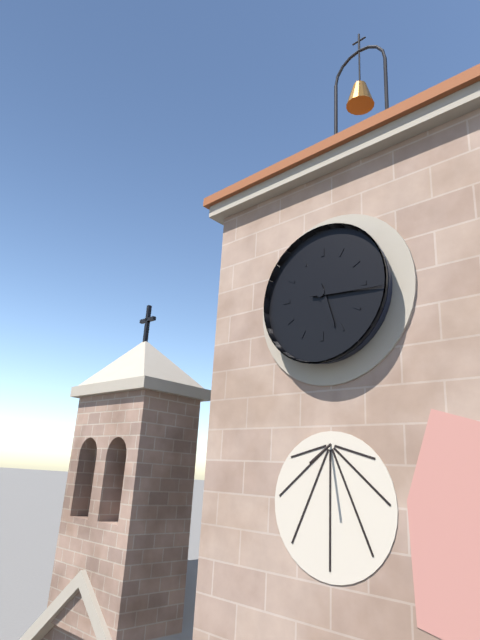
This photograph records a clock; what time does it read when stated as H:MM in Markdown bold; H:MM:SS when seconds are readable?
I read **5:16**
